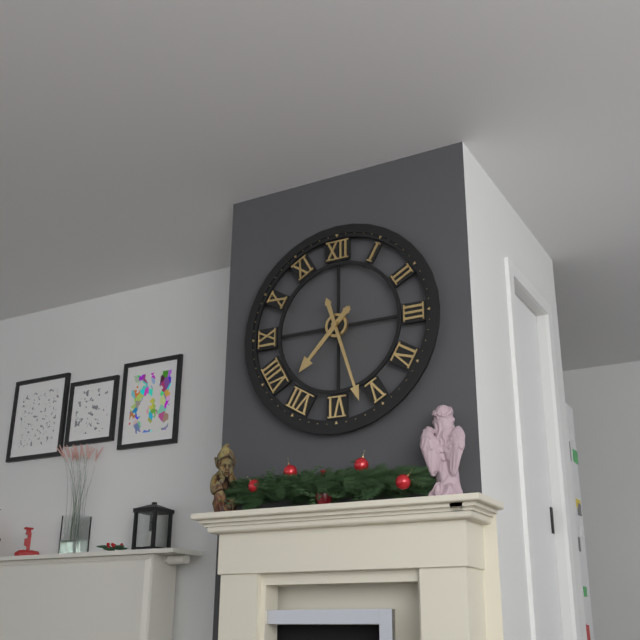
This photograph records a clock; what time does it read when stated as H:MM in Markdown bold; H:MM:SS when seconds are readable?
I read **7:27**
